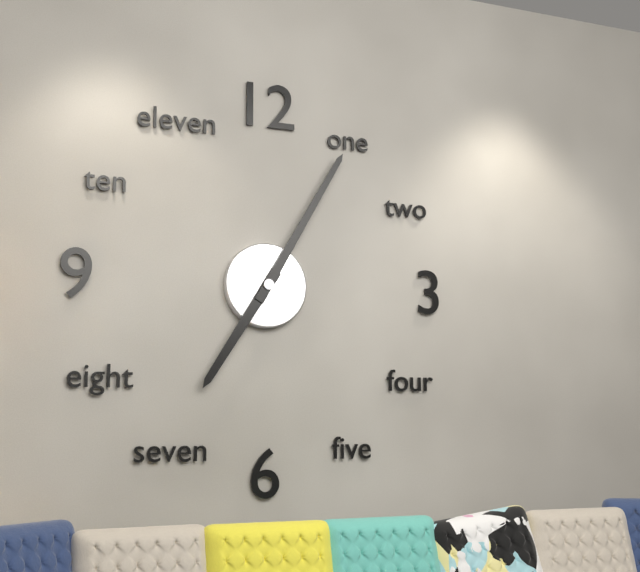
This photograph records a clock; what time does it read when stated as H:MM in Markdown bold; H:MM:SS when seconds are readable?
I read **7:05**
